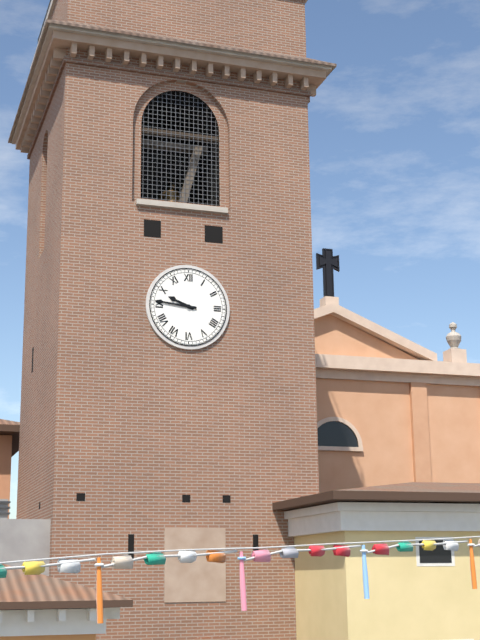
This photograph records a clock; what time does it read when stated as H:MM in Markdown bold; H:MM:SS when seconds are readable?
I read **9:46**
